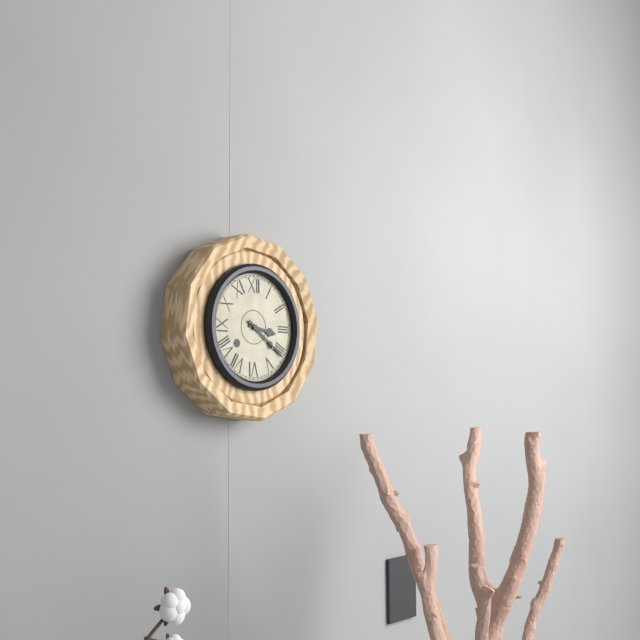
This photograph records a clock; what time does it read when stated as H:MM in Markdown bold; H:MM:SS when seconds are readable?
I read **3:21**
